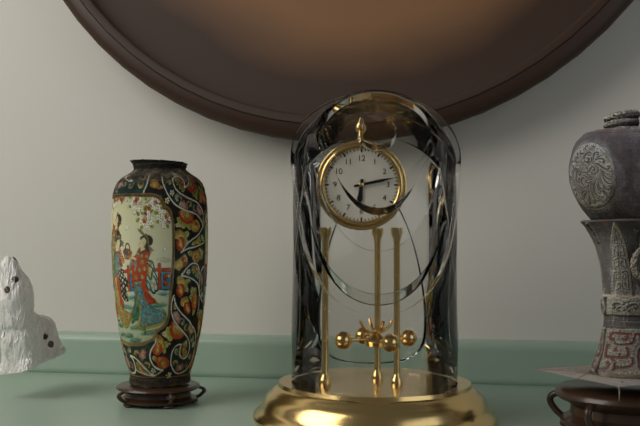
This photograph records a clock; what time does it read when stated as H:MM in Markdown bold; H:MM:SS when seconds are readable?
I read **6:13**
